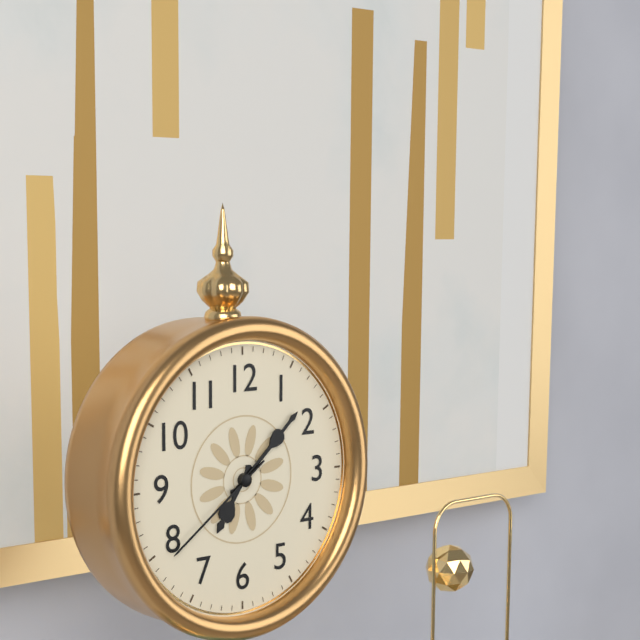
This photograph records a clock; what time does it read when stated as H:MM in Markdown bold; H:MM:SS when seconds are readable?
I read **7:08:39**
